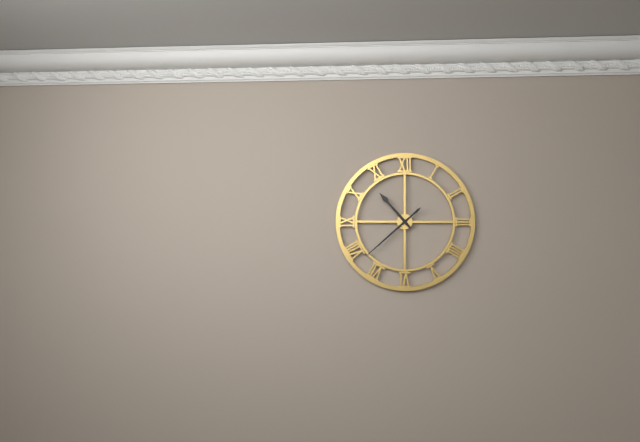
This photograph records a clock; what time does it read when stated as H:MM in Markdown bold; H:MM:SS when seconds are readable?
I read **10:38**
